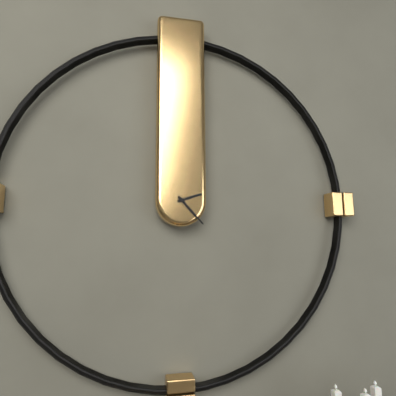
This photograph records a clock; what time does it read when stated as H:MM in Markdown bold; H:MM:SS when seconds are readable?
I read **2:23**
